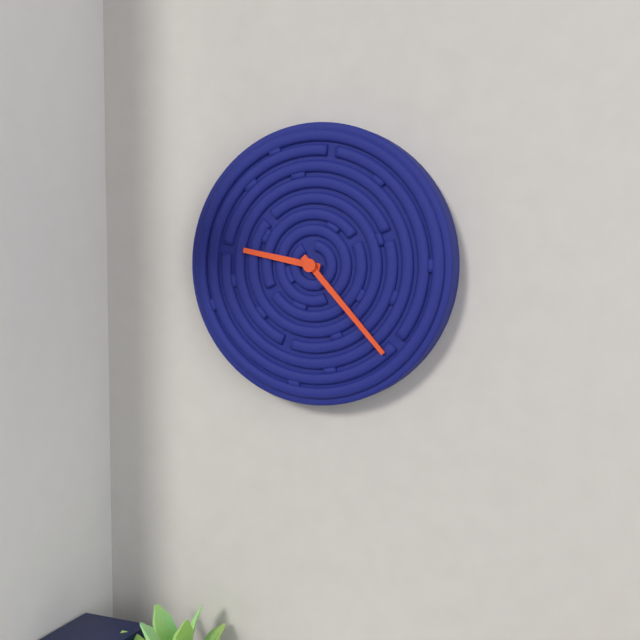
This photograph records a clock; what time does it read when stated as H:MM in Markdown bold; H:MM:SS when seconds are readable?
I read **9:23**
